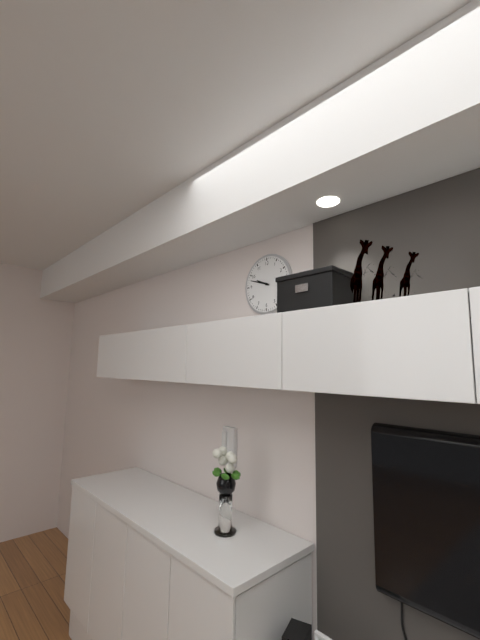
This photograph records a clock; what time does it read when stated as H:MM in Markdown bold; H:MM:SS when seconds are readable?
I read **9:48**
